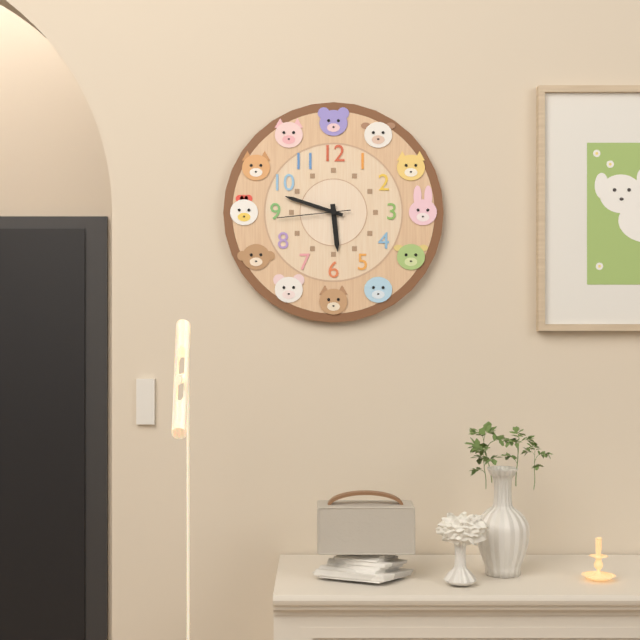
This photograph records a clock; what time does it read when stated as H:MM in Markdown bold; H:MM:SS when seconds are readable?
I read **5:48:44**
